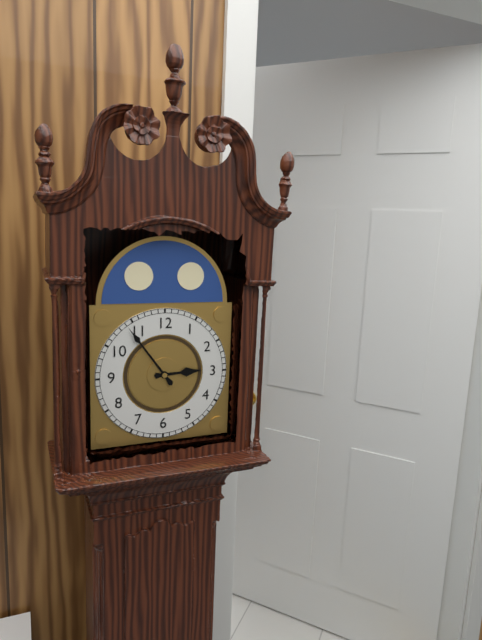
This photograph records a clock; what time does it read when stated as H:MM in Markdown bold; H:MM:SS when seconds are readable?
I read **2:54**
